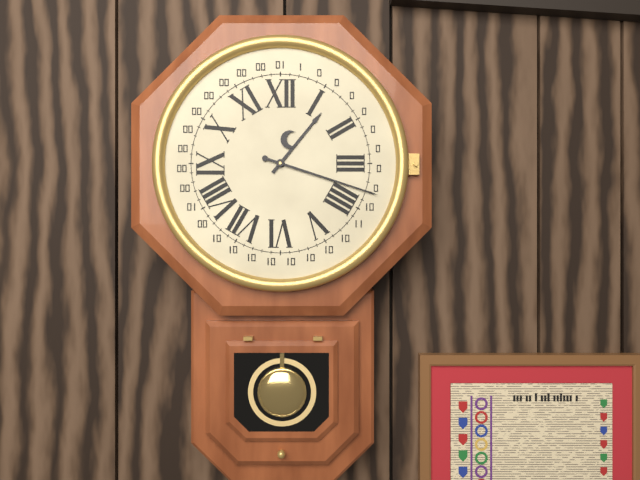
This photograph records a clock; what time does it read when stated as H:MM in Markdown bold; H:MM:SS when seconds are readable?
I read **1:18**
